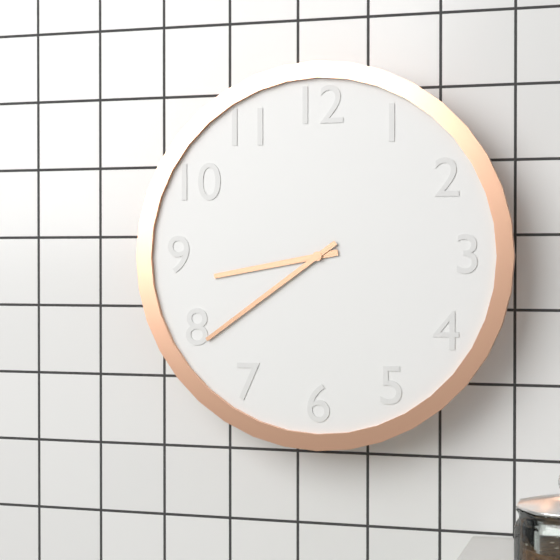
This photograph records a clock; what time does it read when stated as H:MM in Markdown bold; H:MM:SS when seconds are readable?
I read **8:39**
